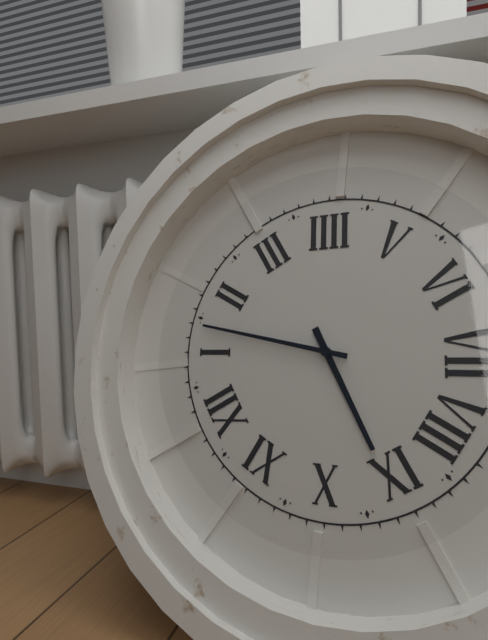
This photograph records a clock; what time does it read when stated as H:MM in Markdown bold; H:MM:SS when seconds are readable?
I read **9:07**
